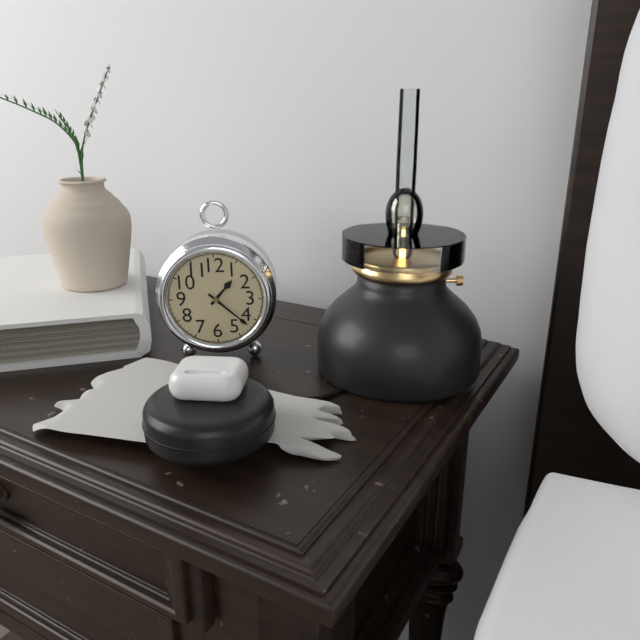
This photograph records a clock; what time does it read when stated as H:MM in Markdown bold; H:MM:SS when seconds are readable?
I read **1:22**
